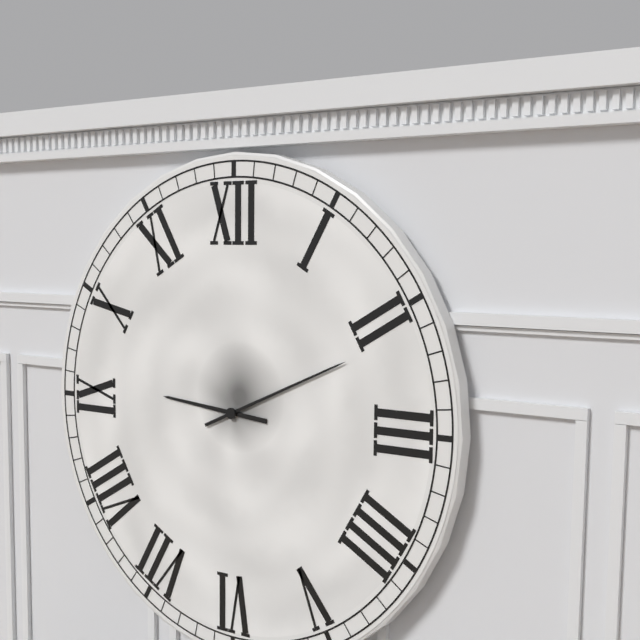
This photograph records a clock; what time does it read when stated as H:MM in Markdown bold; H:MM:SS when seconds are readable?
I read **9:11**
